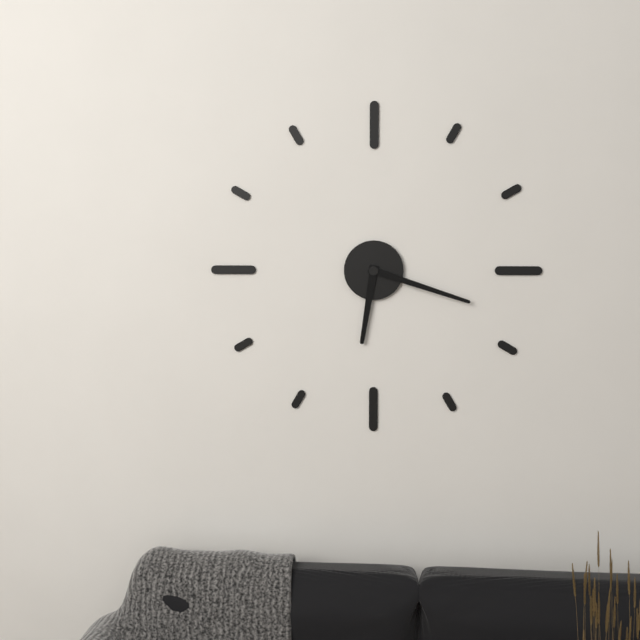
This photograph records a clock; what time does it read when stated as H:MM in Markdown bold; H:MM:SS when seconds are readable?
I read **6:18**
